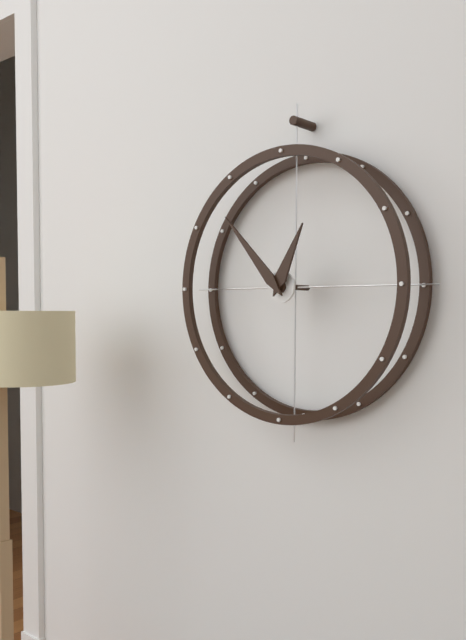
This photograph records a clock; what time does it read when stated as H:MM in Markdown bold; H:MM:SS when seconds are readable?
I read **12:53**
